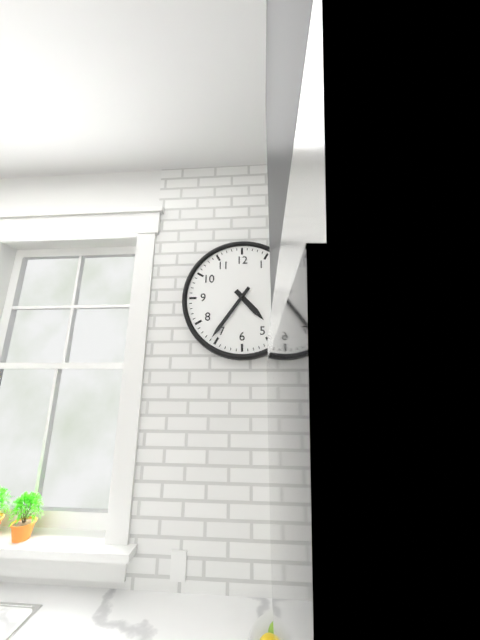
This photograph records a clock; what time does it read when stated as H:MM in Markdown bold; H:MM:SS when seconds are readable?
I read **4:36**
